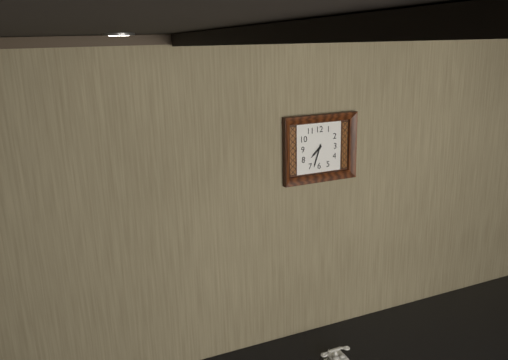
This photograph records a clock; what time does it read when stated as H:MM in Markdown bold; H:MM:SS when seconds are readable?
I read **7:33**
